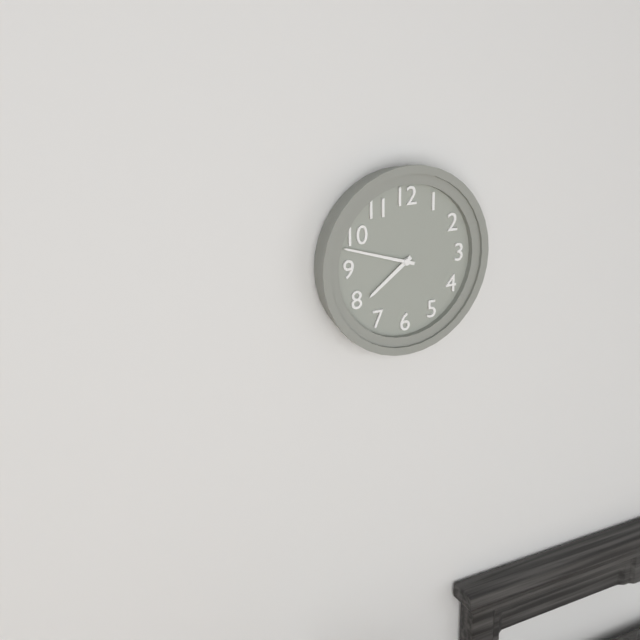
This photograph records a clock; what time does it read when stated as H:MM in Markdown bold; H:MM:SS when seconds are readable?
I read **7:48**
